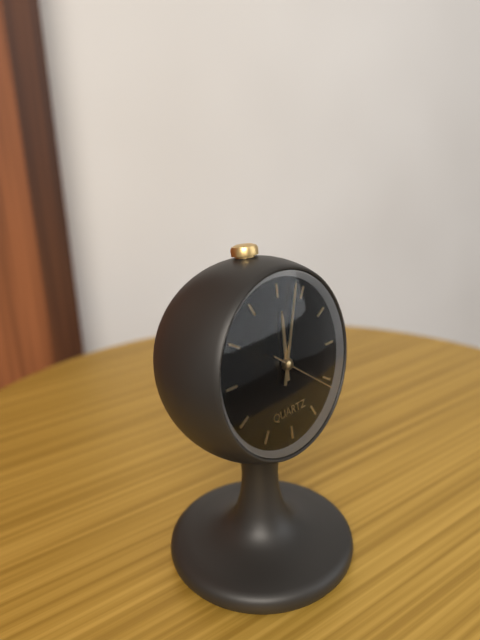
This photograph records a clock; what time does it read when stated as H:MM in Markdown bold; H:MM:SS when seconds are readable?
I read **12:03:21**
